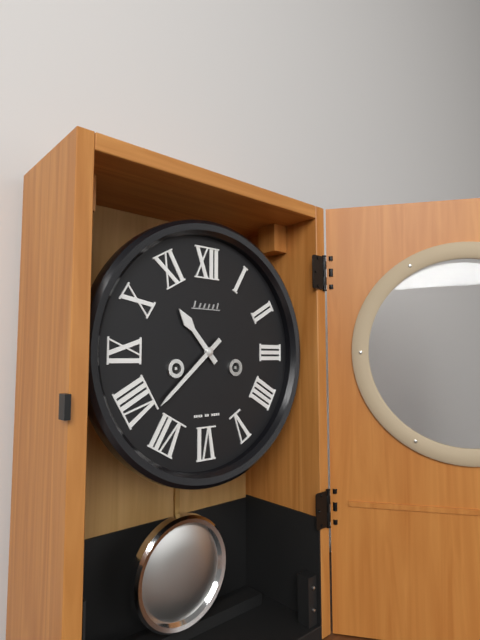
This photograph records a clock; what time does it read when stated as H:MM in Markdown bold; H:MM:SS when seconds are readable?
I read **10:38**
